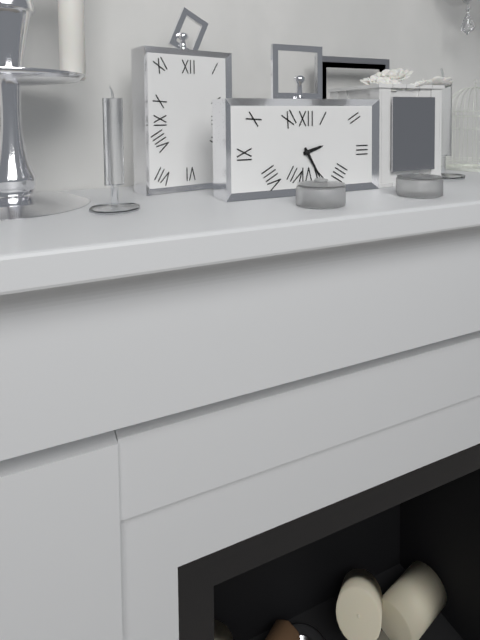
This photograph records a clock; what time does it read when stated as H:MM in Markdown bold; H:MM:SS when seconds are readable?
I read **2:25**
